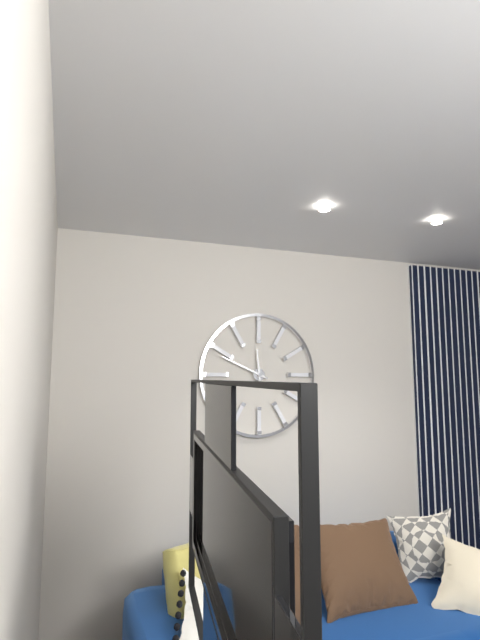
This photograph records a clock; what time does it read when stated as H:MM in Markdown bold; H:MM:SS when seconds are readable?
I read **11:49**
